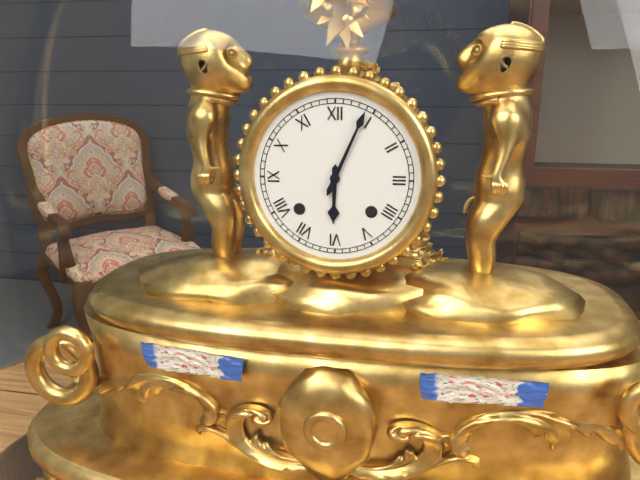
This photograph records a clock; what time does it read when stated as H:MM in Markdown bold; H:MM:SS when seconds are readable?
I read **6:04**
